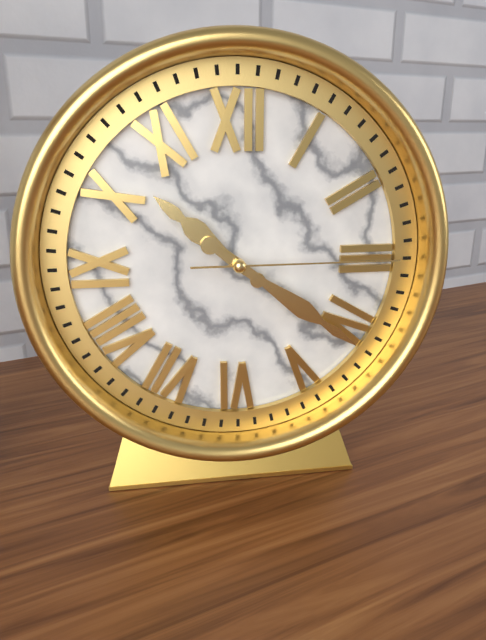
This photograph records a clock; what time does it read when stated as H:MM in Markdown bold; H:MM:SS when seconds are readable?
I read **10:21:15**
